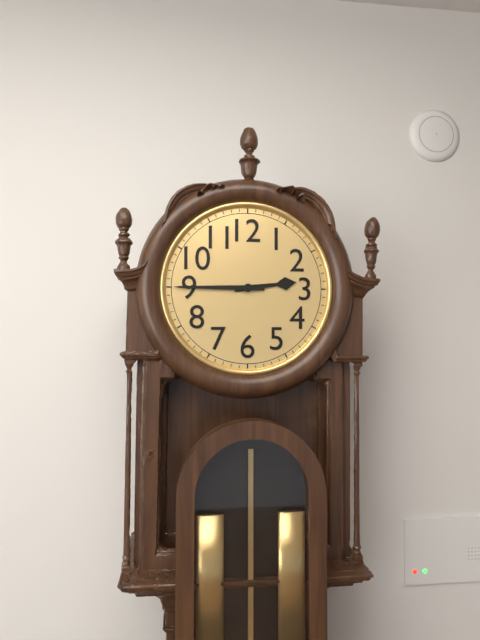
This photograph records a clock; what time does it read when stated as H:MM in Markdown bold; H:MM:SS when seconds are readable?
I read **2:45**
